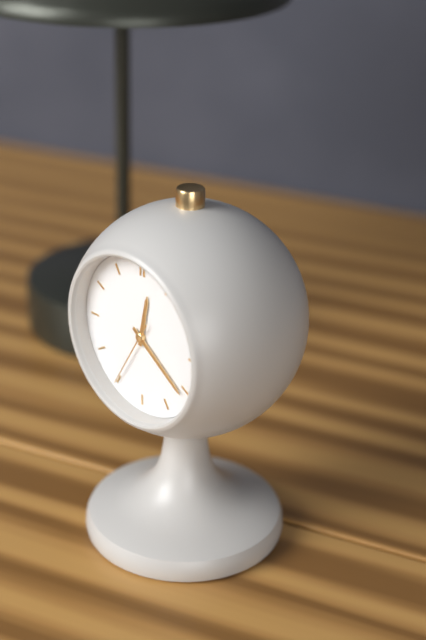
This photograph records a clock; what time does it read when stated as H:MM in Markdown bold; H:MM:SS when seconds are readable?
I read **12:21:35**
